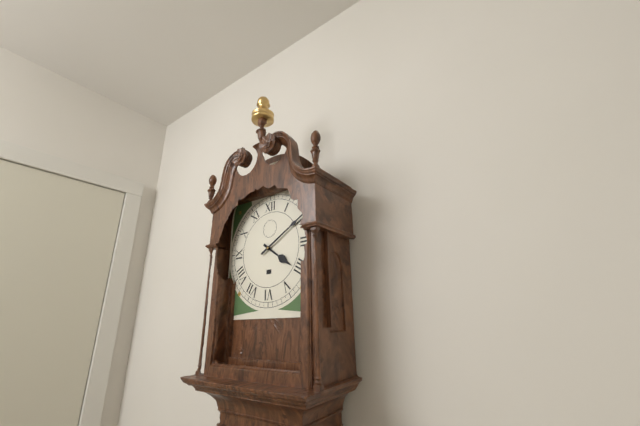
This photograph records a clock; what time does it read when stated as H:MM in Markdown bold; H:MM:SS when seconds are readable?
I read **4:10**
